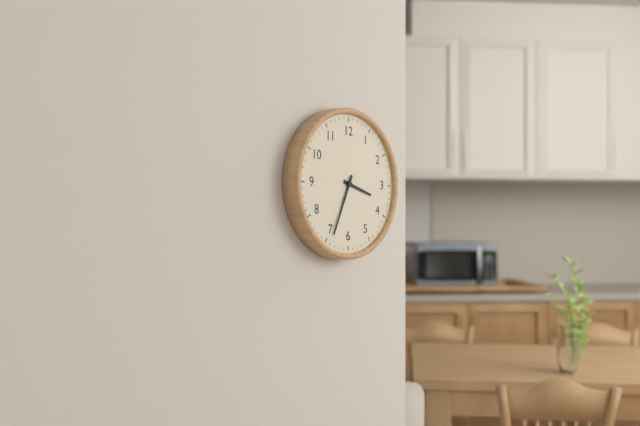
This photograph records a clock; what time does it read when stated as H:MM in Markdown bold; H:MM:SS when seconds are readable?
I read **3:34**
